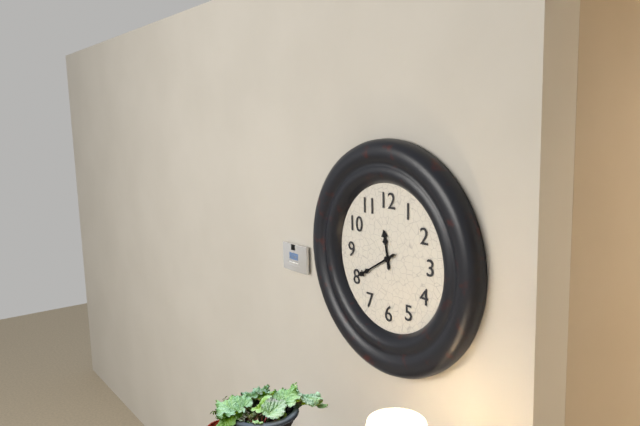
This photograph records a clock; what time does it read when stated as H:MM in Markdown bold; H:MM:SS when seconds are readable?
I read **11:40**
